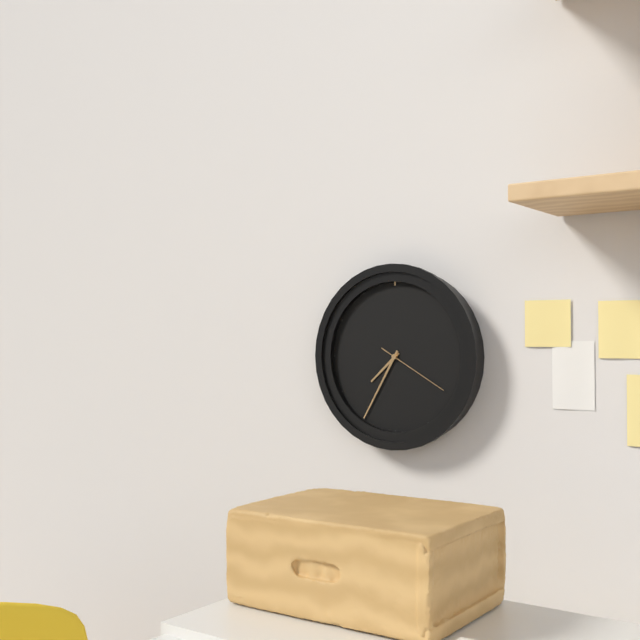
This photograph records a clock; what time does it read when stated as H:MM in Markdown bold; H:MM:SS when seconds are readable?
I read **7:35:20**
